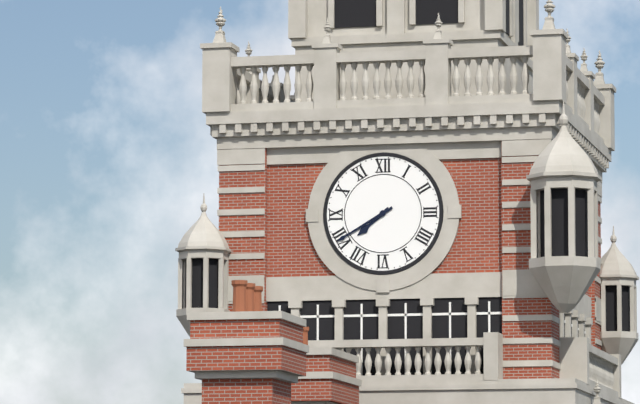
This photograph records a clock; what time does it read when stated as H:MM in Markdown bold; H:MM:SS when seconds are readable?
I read **7:40**
